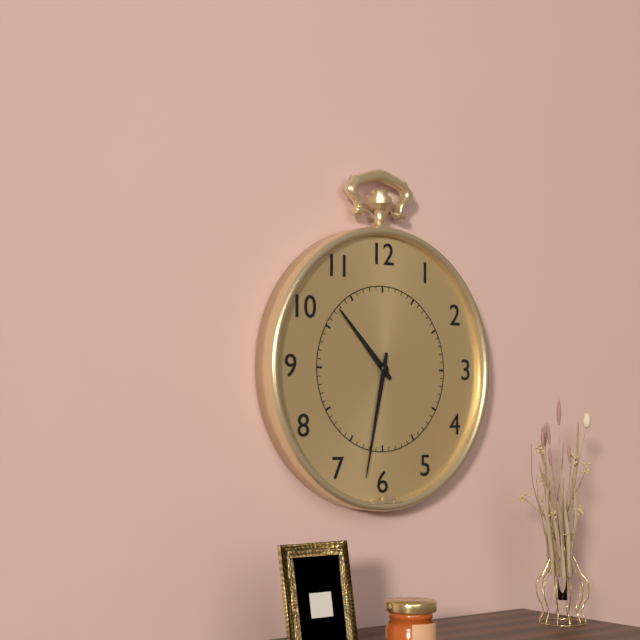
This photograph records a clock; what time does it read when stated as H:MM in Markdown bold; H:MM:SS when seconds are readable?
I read **10:32**
